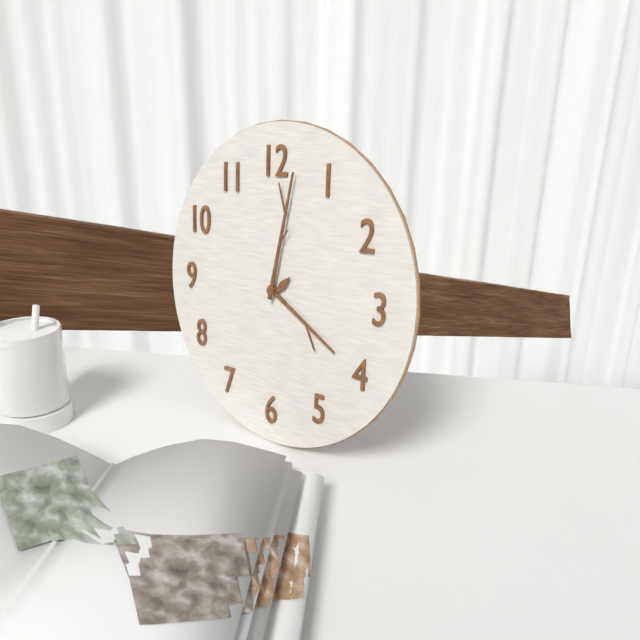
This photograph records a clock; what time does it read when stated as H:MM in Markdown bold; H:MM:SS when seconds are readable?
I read **4:02**
